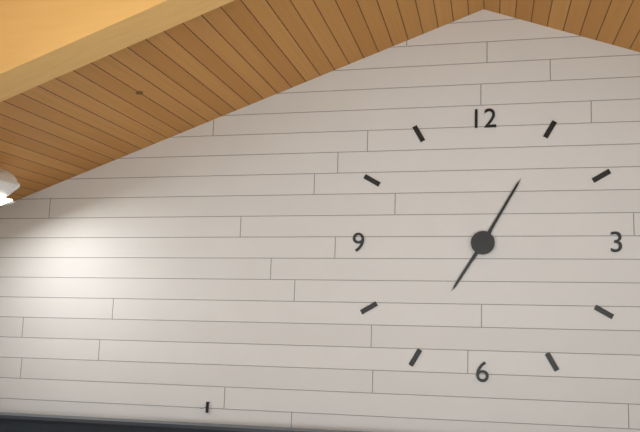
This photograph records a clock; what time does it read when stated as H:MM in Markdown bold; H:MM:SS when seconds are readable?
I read **7:05**
